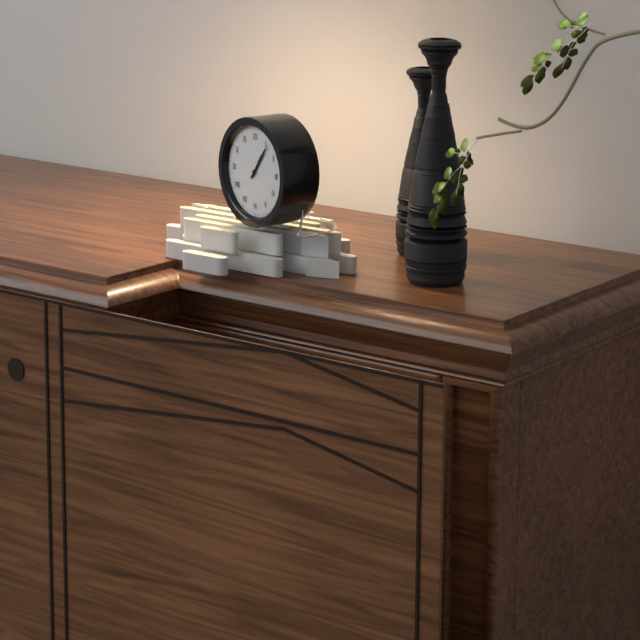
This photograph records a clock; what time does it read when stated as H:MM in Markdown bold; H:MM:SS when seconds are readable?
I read **1:06**
